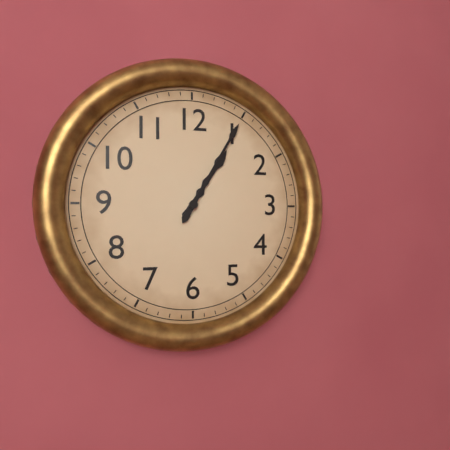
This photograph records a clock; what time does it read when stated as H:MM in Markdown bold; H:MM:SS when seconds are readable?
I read **1:05**
